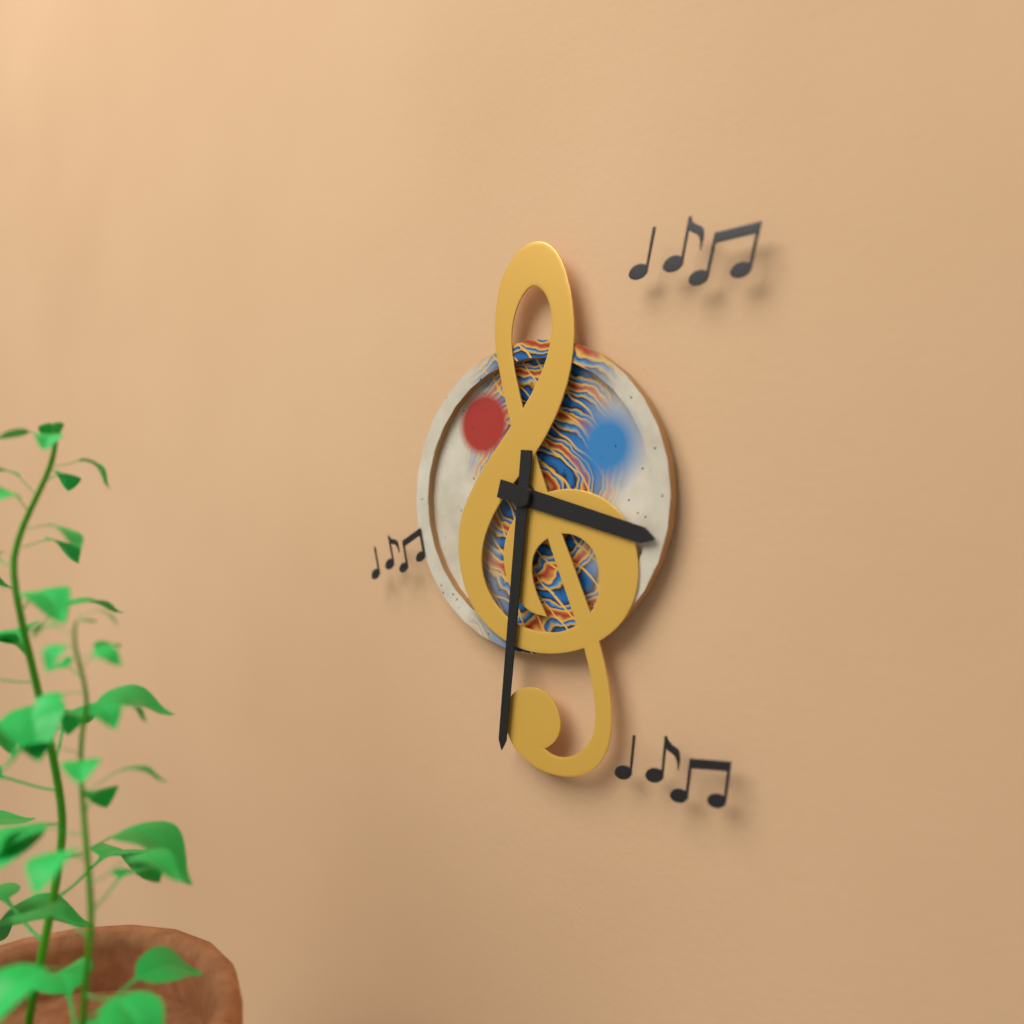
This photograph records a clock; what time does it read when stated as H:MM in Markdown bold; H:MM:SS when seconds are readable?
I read **3:31**
